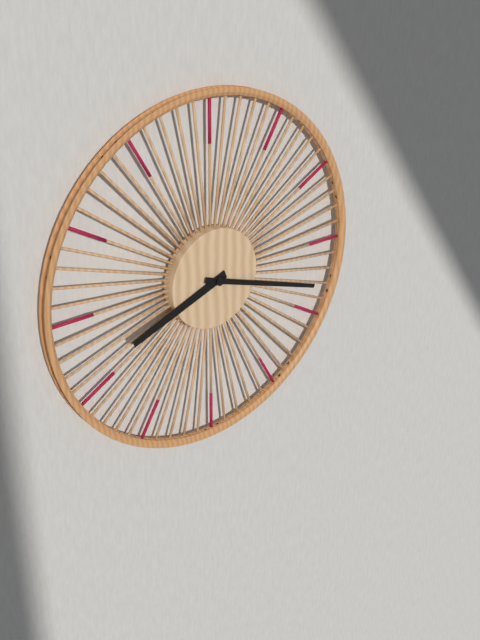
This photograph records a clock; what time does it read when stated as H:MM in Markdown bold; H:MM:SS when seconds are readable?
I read **8:18**
